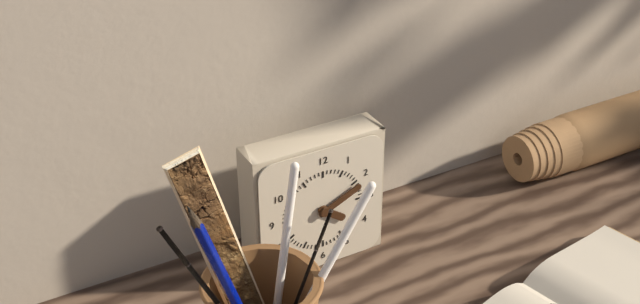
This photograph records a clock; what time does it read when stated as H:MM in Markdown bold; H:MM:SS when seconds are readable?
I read **4:11**
